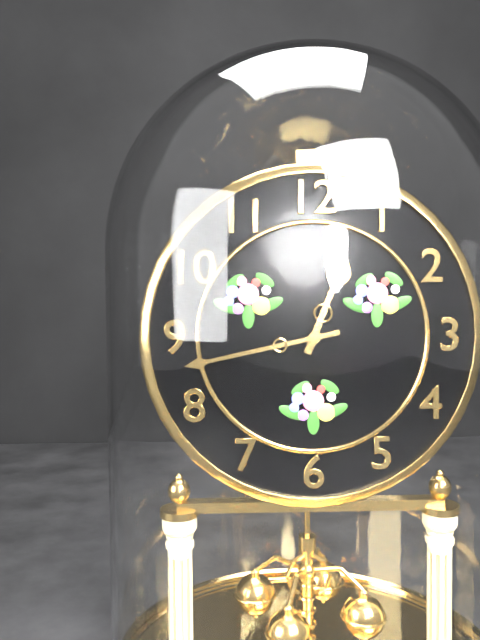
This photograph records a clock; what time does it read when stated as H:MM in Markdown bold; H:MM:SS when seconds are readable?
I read **12:43**
